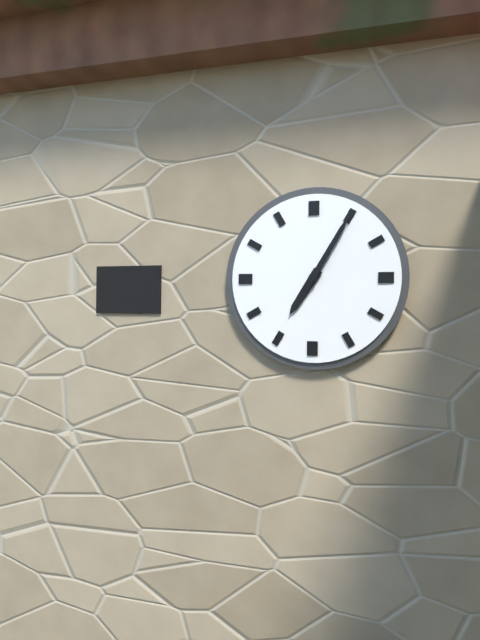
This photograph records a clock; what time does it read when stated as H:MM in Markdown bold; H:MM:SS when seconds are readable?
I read **7:05**
